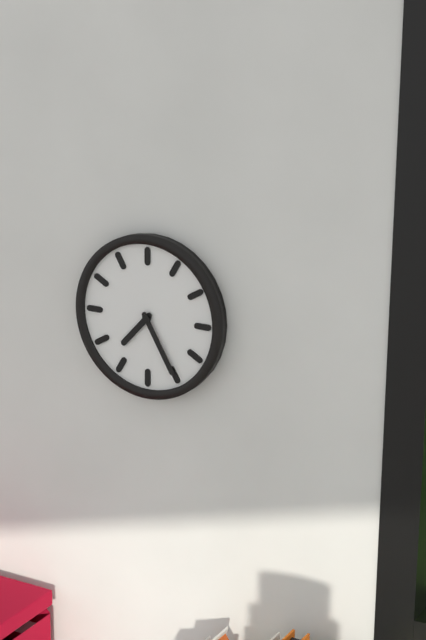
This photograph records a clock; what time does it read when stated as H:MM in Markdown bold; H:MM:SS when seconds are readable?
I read **7:25**
